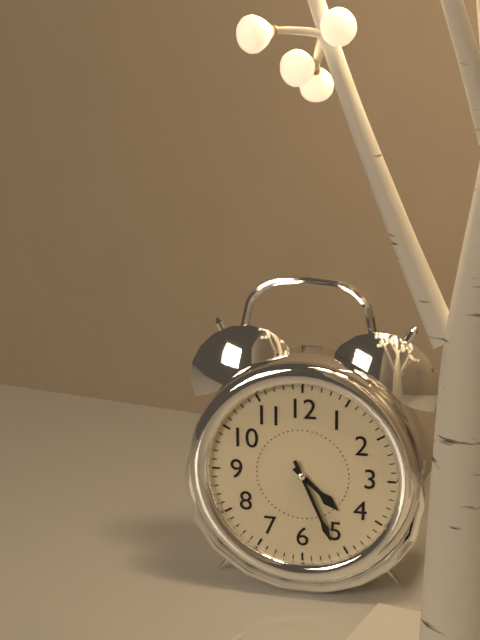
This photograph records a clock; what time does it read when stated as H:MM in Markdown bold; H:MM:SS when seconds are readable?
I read **4:26**
